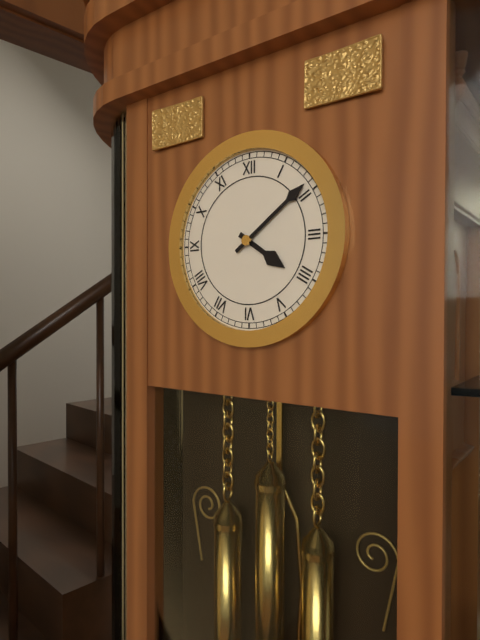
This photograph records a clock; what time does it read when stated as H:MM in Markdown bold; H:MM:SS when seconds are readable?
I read **4:09**
